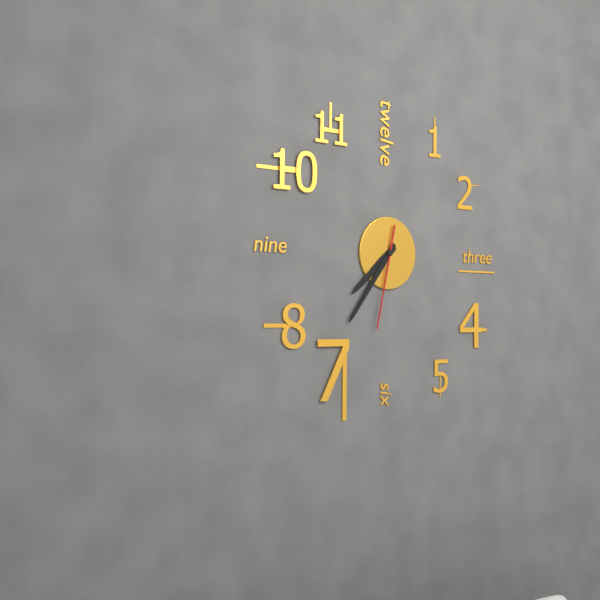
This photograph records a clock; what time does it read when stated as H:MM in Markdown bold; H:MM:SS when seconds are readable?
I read **7:36:32**
